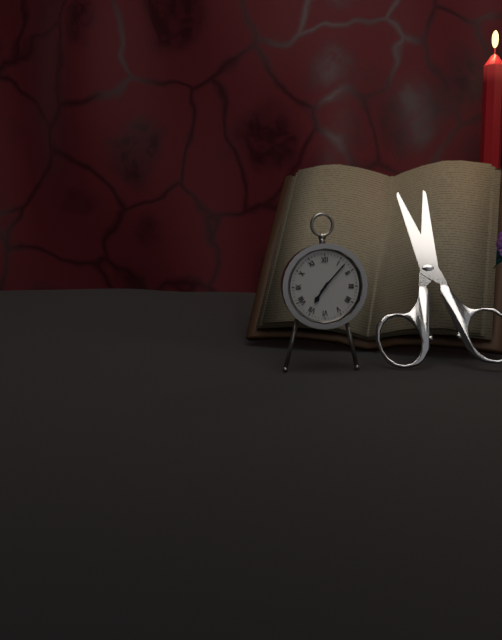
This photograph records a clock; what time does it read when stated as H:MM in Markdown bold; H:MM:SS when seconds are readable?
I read **7:07**
